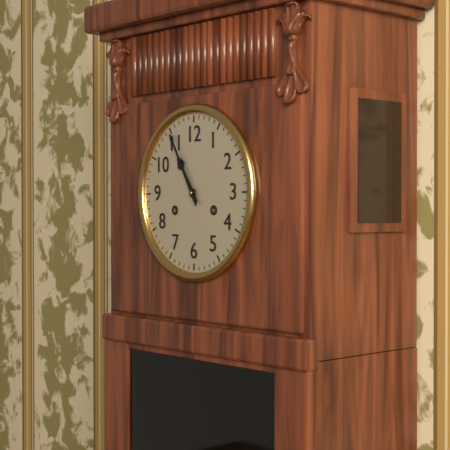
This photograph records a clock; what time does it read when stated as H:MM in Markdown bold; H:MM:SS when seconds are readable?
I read **10:55**
